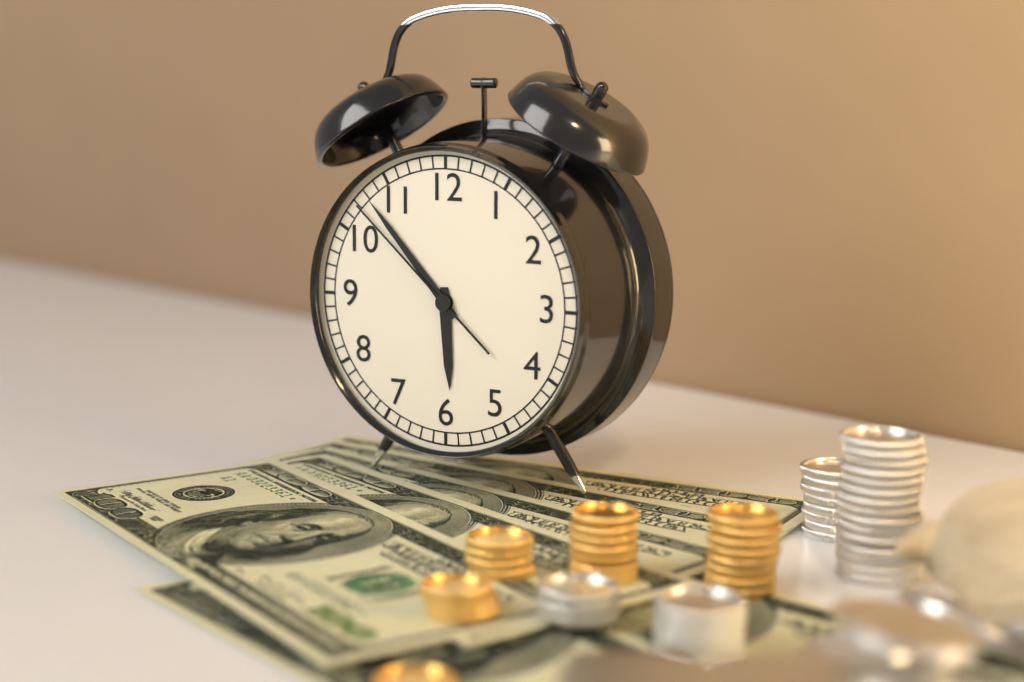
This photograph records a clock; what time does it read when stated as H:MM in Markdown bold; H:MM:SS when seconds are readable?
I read **5:53:52**
